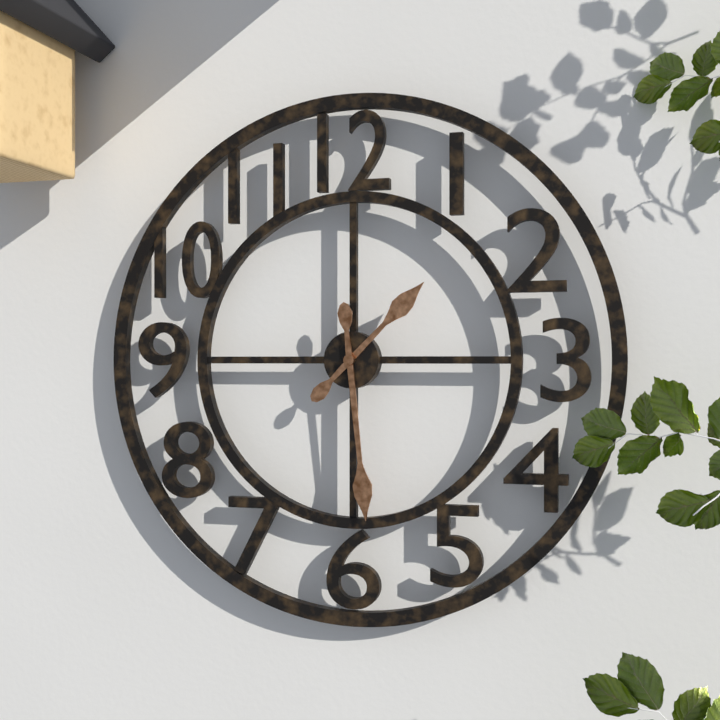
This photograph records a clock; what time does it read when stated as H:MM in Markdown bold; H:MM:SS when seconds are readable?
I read **1:29**
